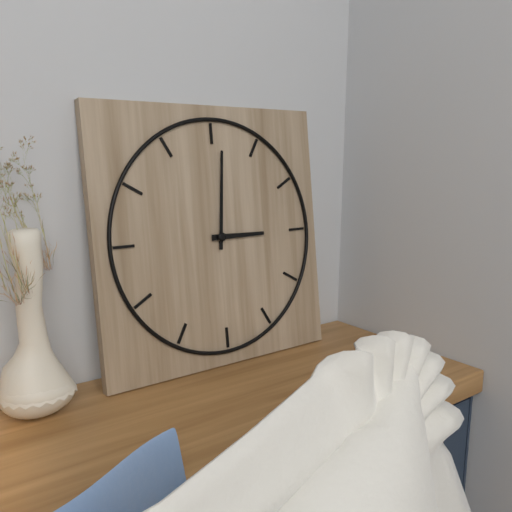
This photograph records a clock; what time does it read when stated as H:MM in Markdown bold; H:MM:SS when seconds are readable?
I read **3:01**
